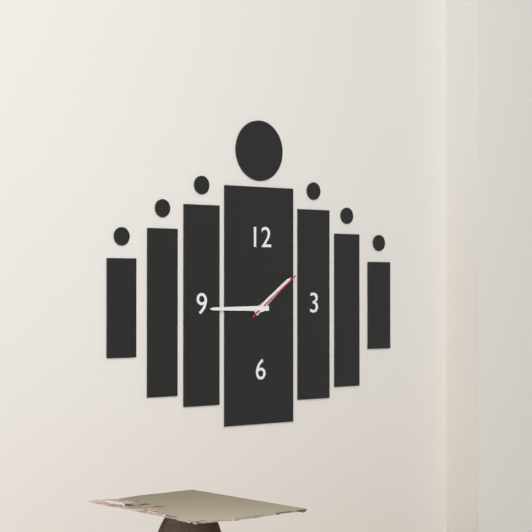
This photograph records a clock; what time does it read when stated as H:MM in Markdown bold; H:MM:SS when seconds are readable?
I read **1:45:09**
